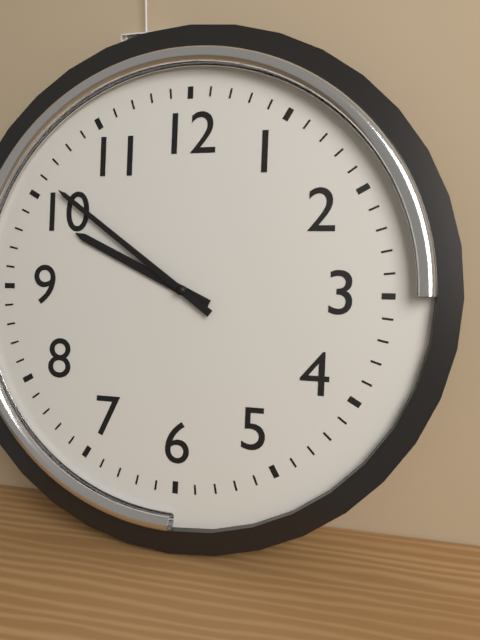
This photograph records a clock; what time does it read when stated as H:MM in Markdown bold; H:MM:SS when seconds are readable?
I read **9:51**
